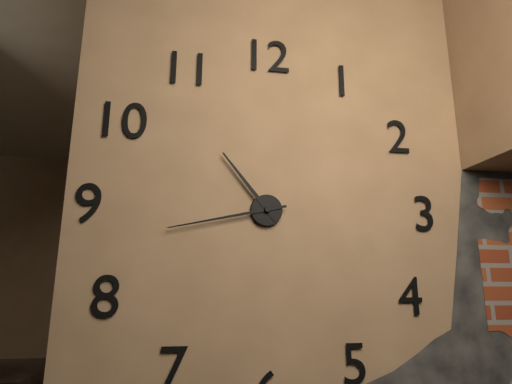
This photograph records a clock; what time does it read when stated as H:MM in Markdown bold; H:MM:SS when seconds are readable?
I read **10:43**
